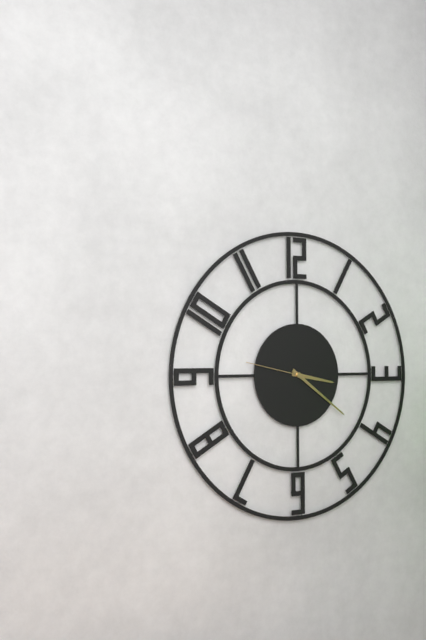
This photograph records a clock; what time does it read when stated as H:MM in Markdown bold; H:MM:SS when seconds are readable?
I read **3:21:47**
